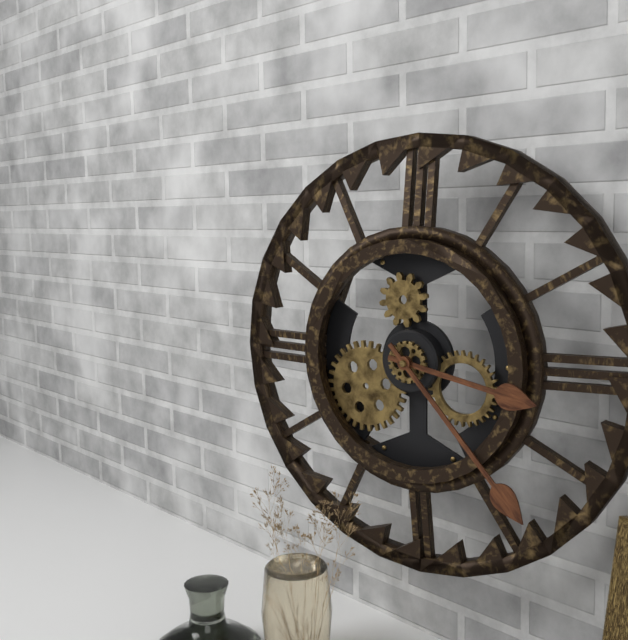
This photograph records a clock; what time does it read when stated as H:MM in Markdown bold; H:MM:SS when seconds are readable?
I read **3:23**
